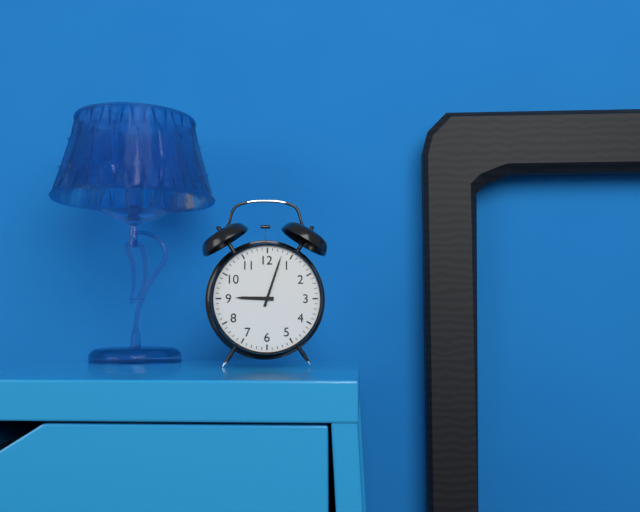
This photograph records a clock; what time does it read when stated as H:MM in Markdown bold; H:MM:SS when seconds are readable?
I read **9:03**
